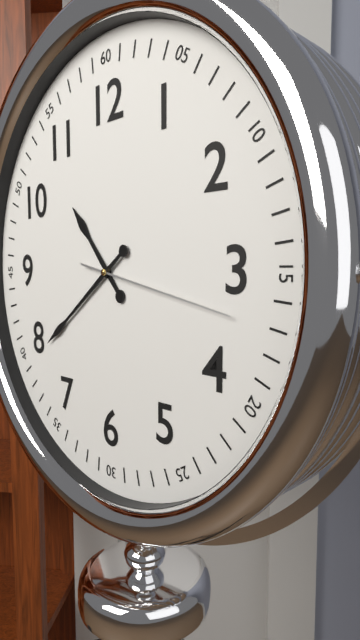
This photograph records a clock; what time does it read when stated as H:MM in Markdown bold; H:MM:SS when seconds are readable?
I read **10:39:17**
